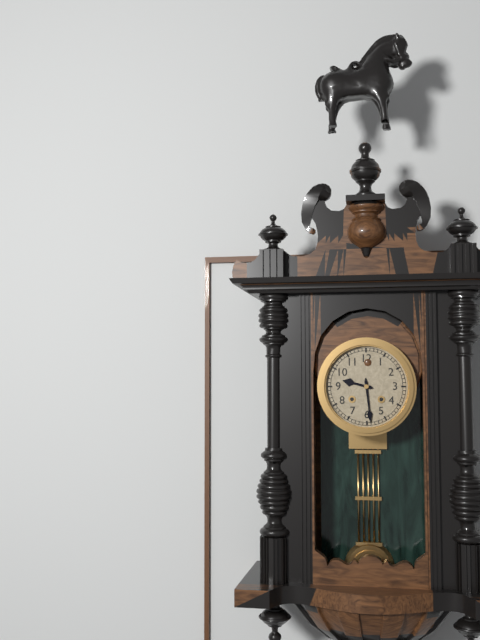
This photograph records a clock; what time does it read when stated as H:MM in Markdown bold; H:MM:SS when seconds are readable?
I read **9:29**
